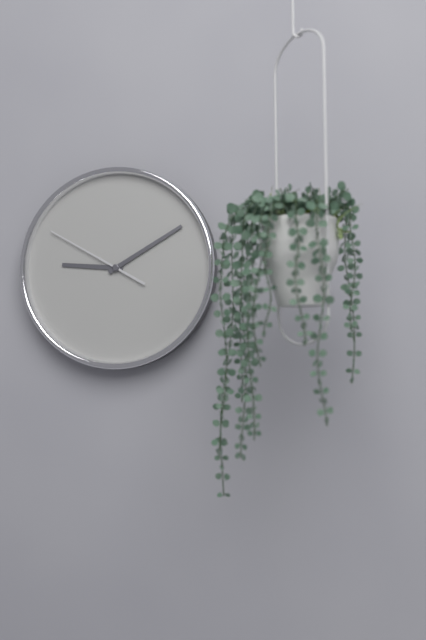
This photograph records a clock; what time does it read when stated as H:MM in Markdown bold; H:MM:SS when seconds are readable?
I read **9:10:50**
